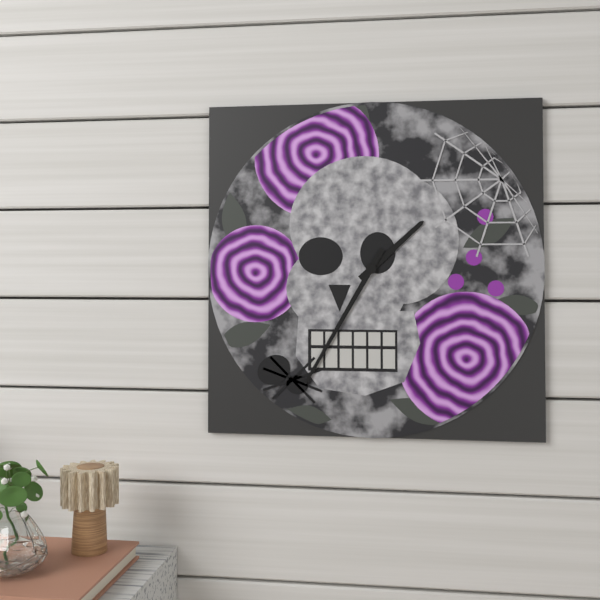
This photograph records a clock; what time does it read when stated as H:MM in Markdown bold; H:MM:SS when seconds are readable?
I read **1:35**
